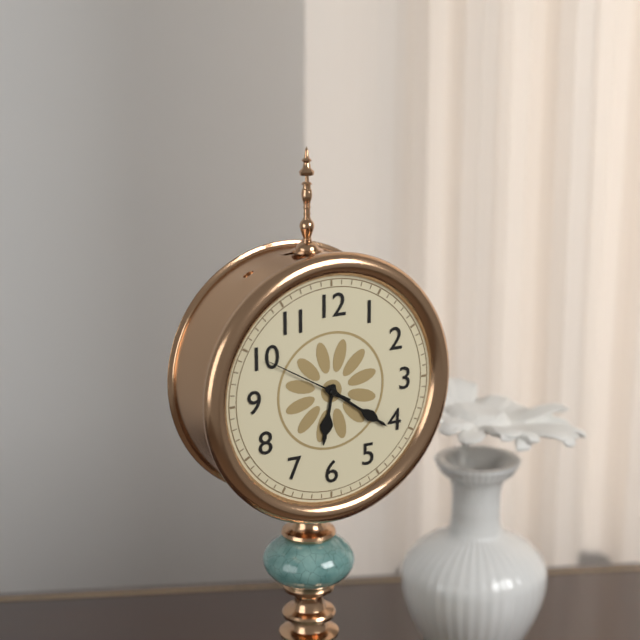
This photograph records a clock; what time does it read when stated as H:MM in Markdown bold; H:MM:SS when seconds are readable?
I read **6:21:50**
